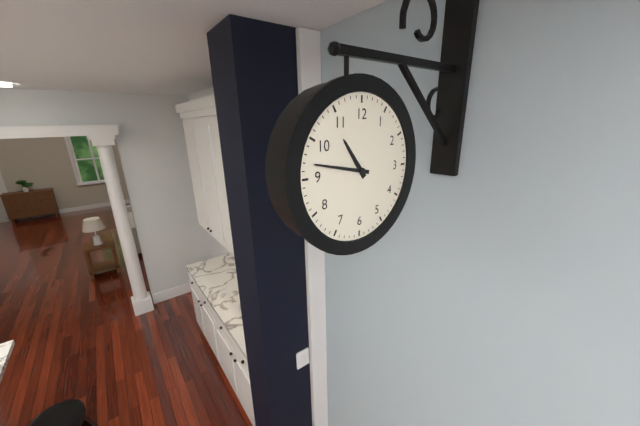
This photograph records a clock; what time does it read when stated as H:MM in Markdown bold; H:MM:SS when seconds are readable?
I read **10:47**
